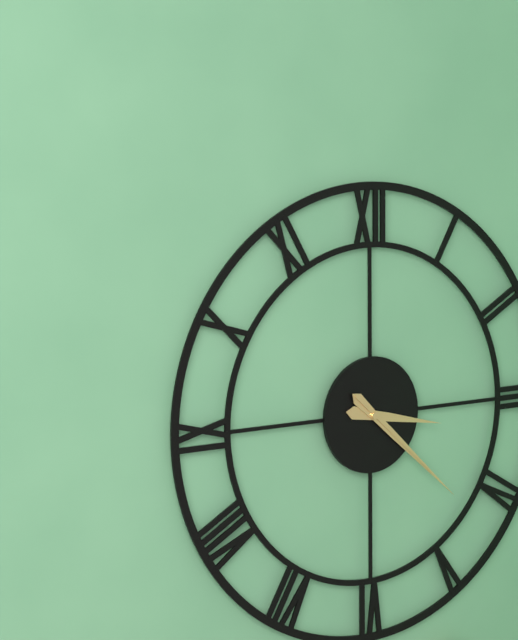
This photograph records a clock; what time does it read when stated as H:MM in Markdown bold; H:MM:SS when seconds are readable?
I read **3:22:22**
